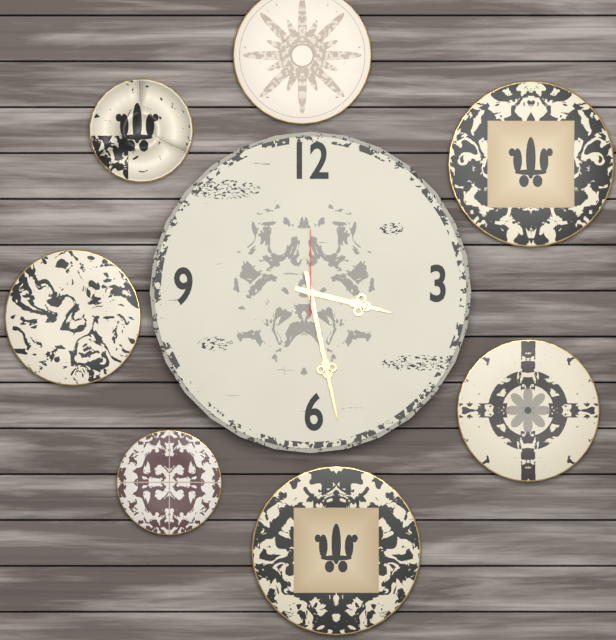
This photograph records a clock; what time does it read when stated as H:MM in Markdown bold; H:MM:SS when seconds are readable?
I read **3:28:00**
